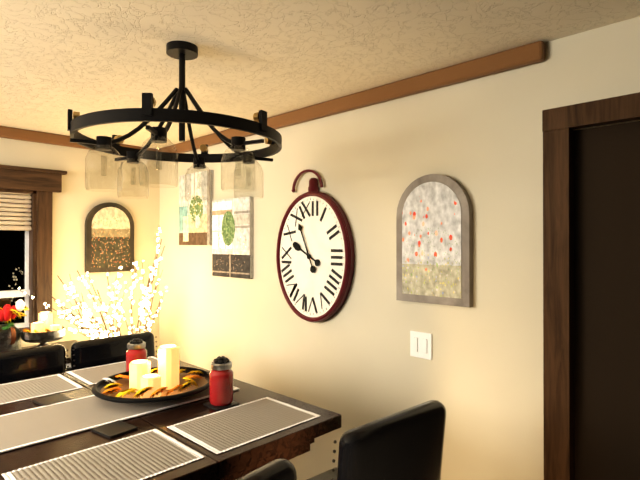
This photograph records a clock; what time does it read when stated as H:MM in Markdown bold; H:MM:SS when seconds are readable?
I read **9:56**
